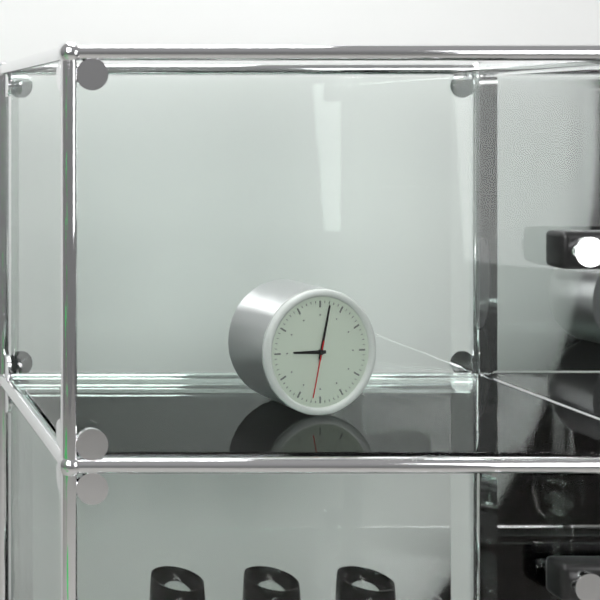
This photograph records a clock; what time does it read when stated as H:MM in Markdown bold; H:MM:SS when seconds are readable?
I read **9:02:32**
